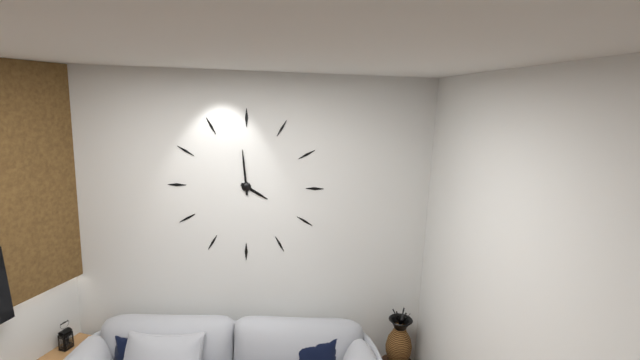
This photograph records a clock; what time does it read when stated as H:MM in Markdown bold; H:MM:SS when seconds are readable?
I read **3:59**
